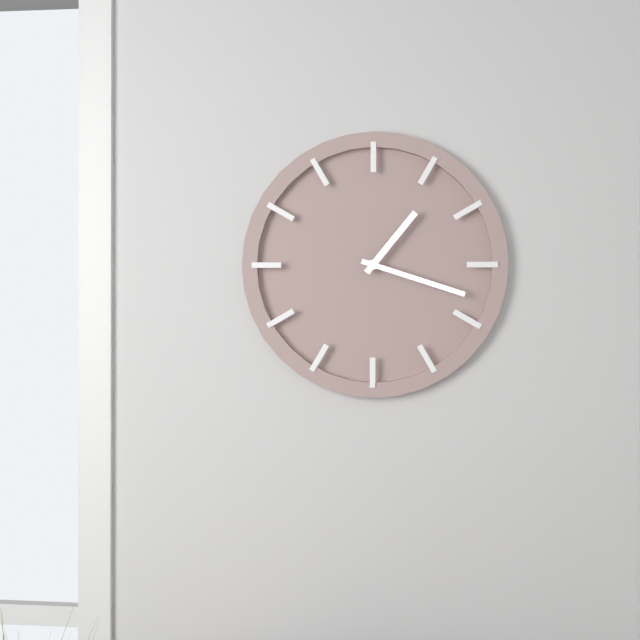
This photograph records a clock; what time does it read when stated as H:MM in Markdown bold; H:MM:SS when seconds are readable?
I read **1:18**
